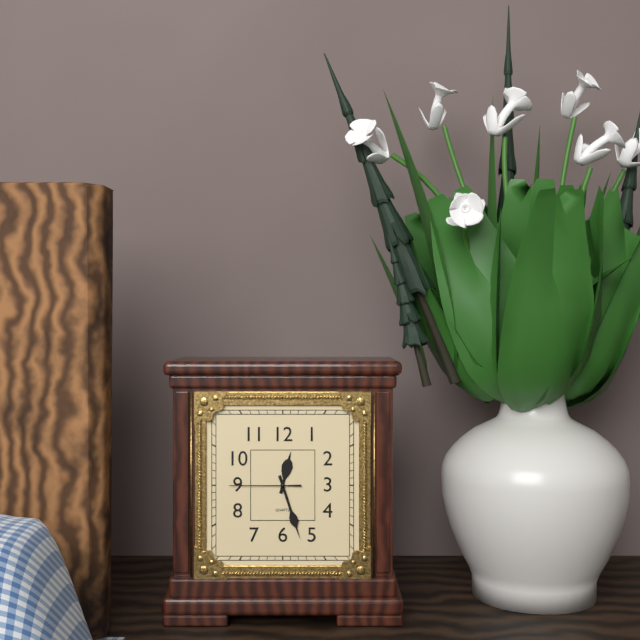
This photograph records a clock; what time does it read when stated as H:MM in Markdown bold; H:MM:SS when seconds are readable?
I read **12:27:45**
